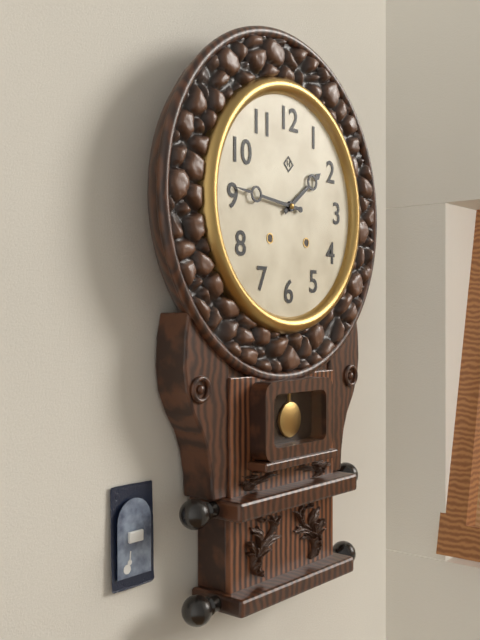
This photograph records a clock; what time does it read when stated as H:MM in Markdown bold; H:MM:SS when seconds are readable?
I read **1:46**
